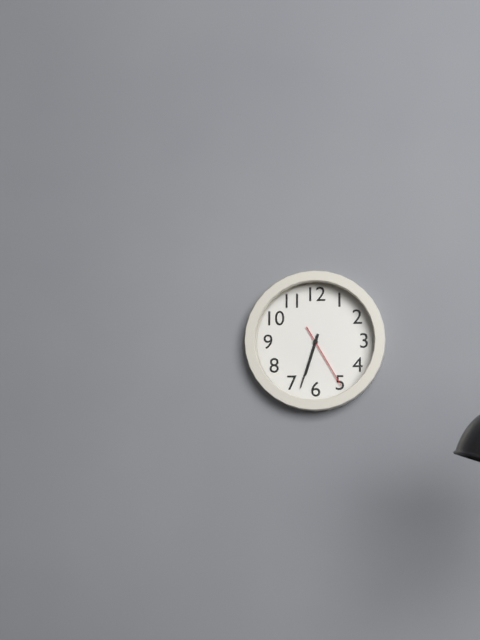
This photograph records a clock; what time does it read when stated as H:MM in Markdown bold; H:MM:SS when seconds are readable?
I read **6:33:25**
